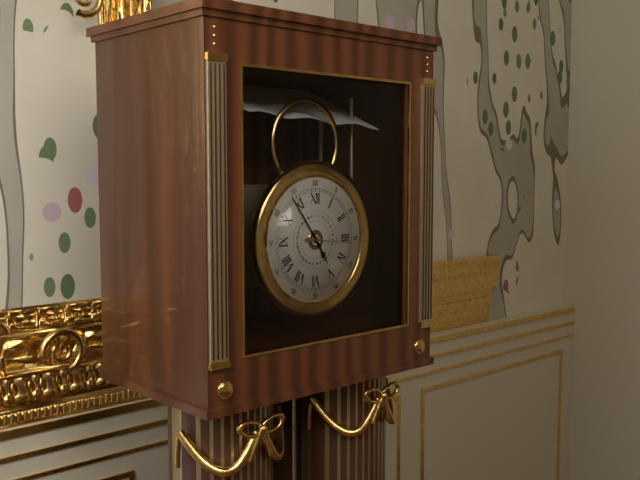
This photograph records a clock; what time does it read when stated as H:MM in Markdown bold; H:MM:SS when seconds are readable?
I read **4:54**
